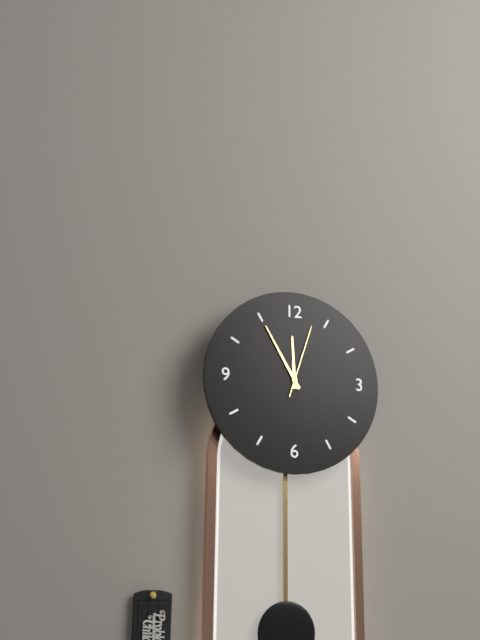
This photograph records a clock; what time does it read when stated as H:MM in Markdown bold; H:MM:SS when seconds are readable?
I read **11:55:03**
